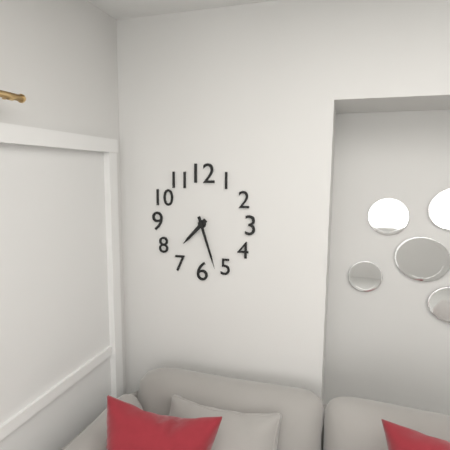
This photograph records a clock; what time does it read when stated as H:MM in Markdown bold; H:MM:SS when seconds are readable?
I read **7:27**
